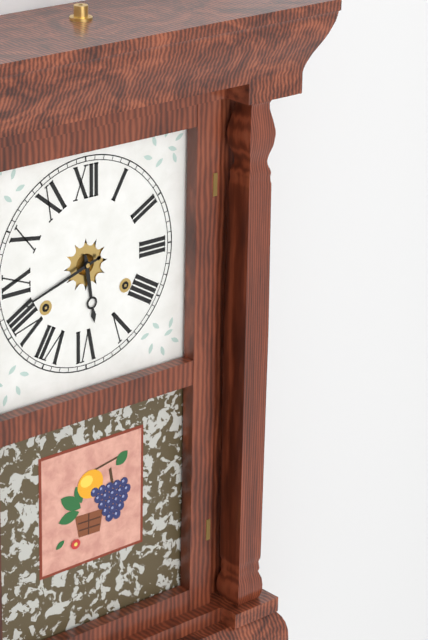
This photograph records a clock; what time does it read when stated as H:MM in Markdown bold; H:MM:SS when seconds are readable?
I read **5:42**
